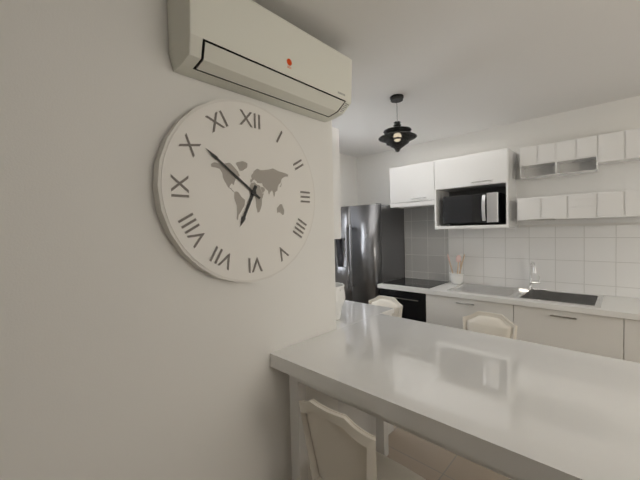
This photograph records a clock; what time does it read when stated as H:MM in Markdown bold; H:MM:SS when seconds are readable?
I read **6:51**
